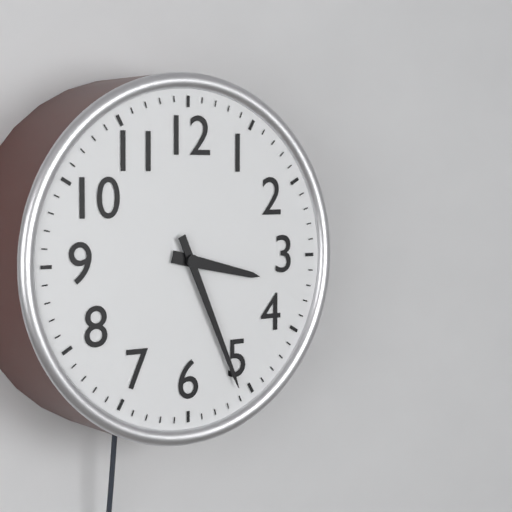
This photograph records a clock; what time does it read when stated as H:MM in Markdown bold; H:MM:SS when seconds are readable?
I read **3:26**
